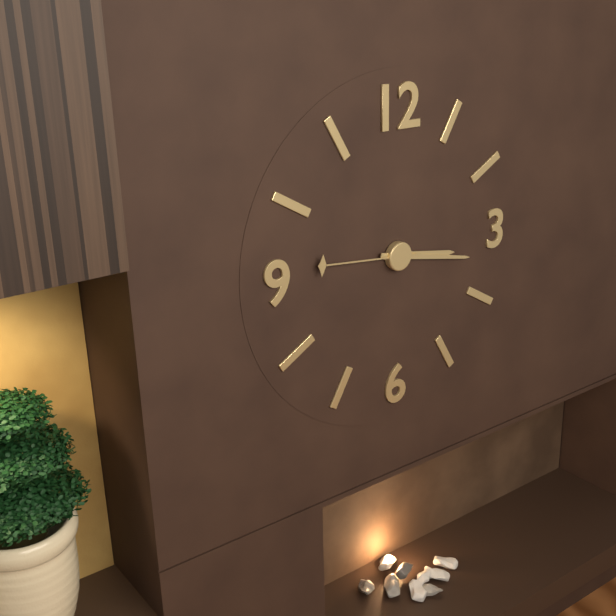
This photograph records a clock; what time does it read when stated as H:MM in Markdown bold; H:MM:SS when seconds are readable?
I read **3:17:46**
